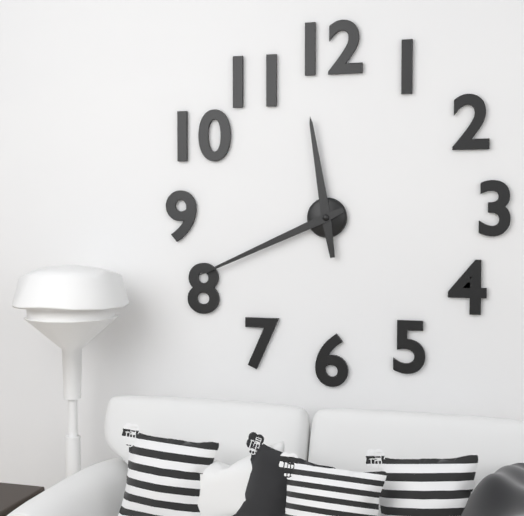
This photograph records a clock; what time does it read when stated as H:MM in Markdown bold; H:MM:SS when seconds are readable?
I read **11:41**
